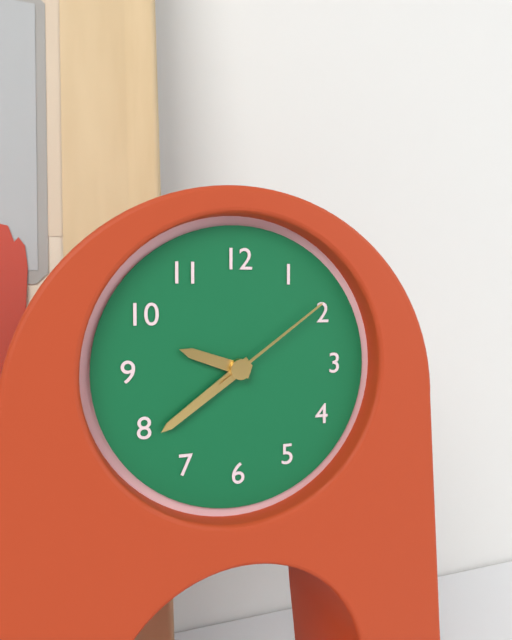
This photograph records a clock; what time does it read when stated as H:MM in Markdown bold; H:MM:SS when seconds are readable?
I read **9:39:09**
